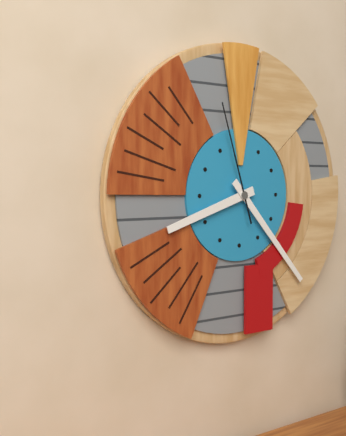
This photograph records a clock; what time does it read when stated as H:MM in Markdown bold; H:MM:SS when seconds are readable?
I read **8:23:57**
